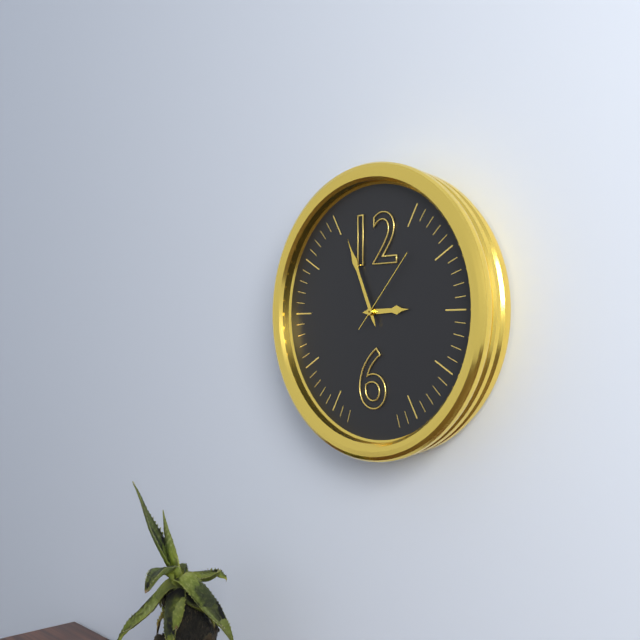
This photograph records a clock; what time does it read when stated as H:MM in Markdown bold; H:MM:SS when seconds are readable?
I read **2:56:07**
